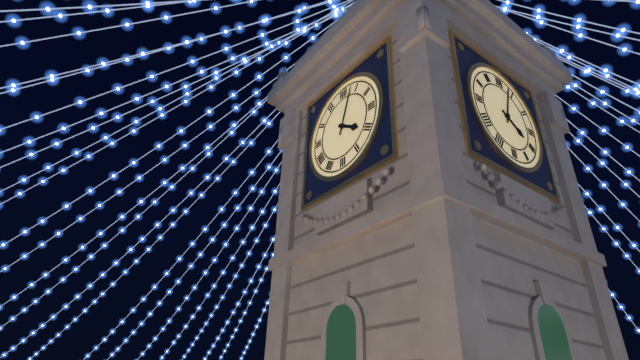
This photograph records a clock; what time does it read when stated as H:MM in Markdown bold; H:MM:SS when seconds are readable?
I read **4:03**
